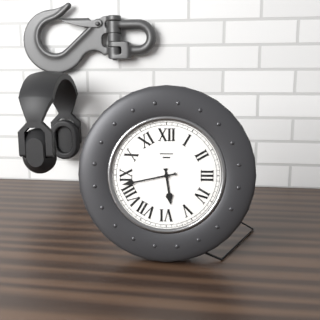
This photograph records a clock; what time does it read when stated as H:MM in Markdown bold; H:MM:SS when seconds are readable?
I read **5:43**
